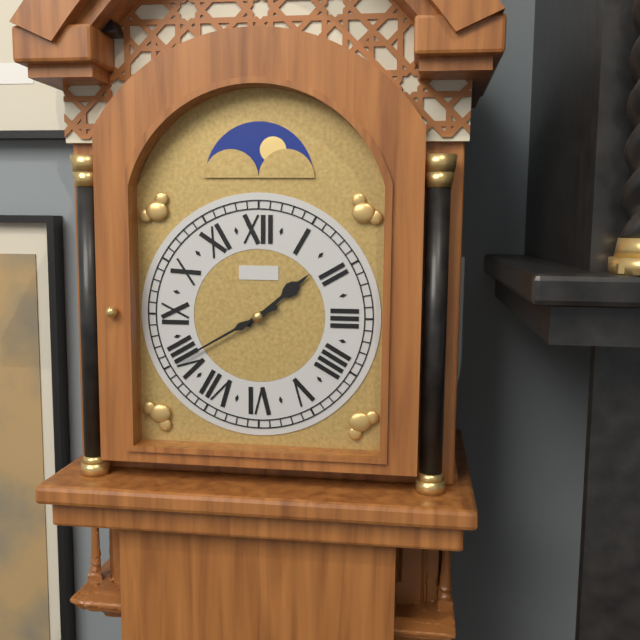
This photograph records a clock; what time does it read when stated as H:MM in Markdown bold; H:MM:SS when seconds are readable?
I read **1:40**
